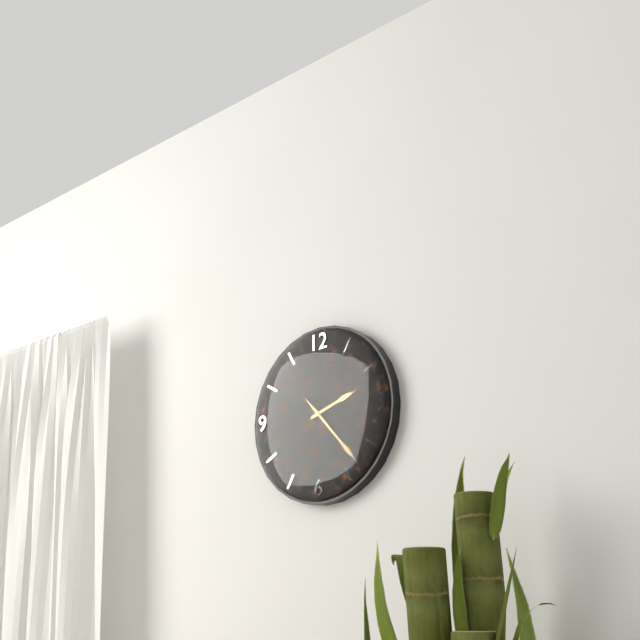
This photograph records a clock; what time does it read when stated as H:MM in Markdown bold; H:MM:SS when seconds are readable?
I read **2:23:23**
